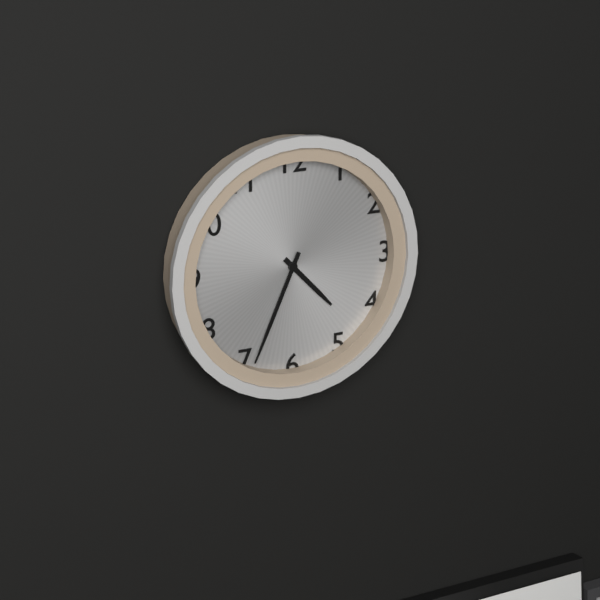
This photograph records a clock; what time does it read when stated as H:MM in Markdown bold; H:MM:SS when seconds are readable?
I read **4:34**
